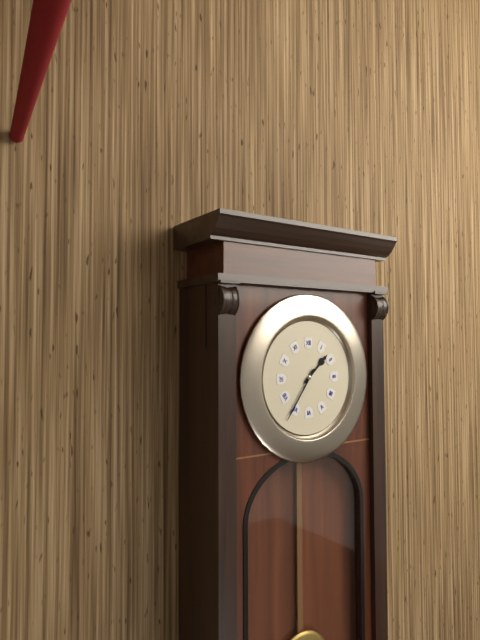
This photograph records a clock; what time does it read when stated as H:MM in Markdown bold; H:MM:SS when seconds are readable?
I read **1:36**
